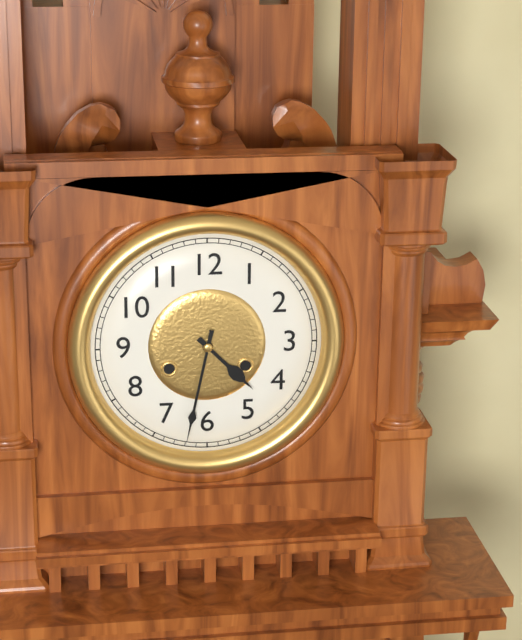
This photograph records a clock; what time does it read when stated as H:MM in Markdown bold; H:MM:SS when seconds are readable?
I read **4:32**
